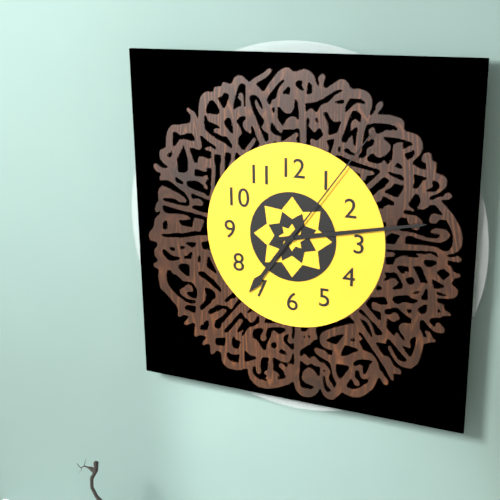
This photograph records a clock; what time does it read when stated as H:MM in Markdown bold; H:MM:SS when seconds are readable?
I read **7:13:06**
